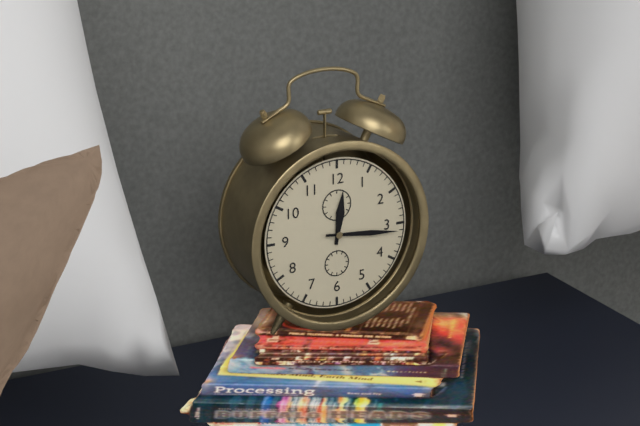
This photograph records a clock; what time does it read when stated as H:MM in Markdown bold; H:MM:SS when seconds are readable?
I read **12:16**
